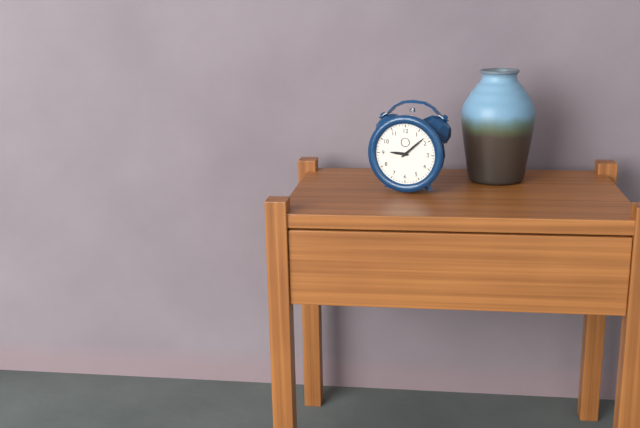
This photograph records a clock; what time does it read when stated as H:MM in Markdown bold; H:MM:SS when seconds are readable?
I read **9:08**
